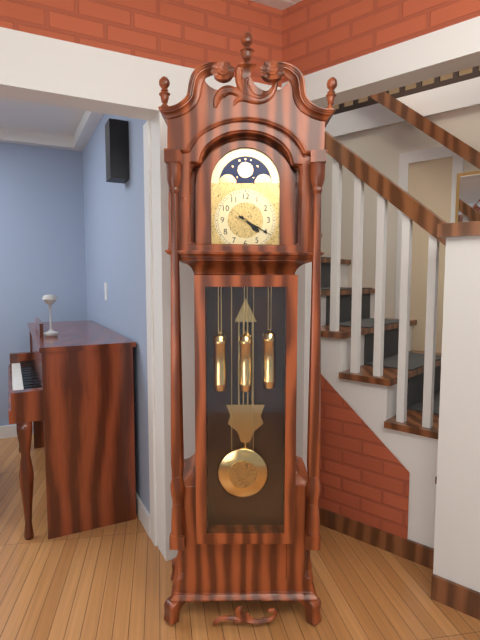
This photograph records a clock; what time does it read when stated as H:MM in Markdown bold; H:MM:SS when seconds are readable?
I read **4:20**
